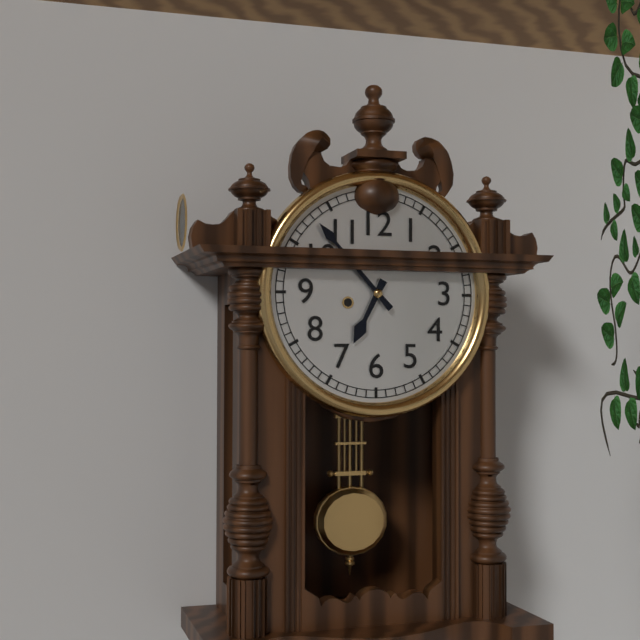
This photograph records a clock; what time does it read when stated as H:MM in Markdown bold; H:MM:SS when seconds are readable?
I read **6:53**
